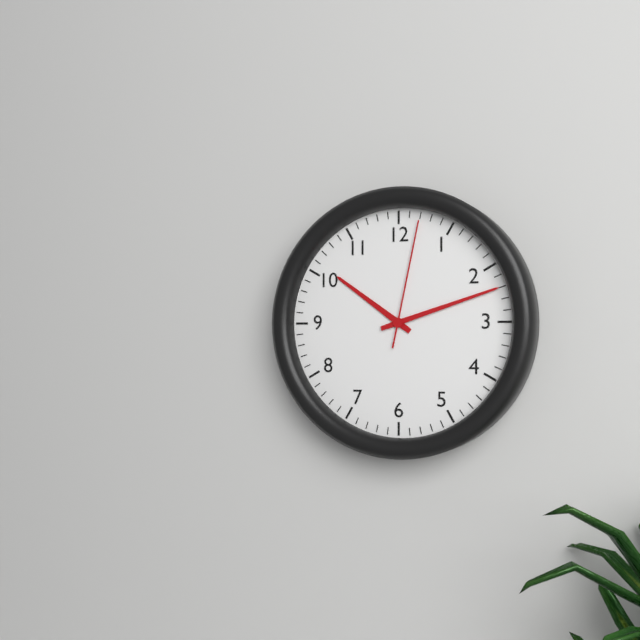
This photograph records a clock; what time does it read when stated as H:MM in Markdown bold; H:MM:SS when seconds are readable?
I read **10:12:02**
